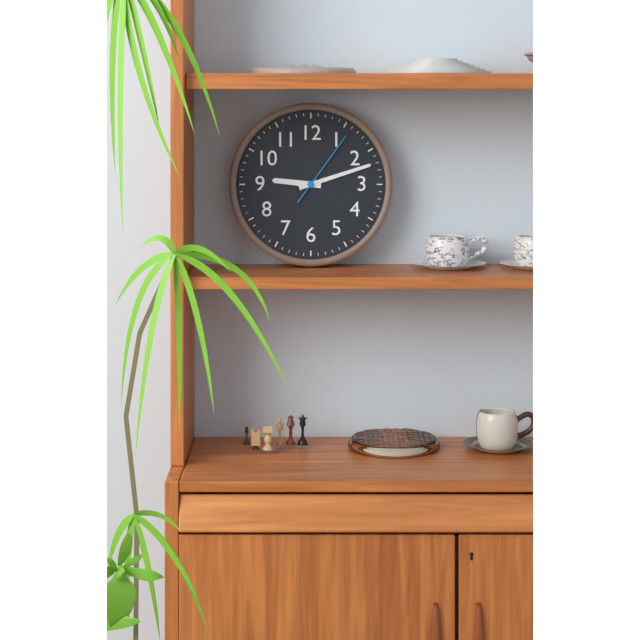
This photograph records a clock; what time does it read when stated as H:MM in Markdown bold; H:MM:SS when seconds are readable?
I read **9:12:06**
